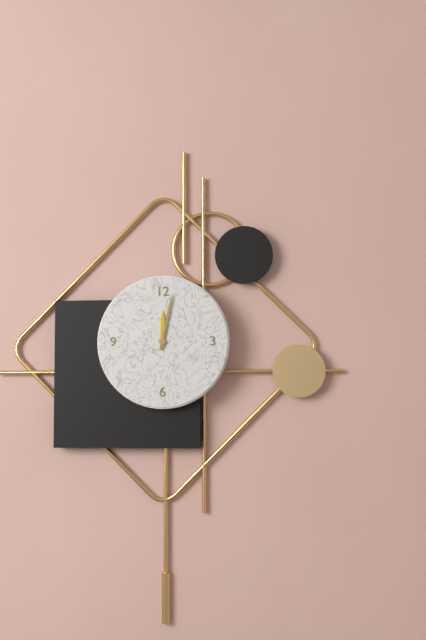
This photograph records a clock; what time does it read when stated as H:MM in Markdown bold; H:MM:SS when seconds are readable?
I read **12:02**
